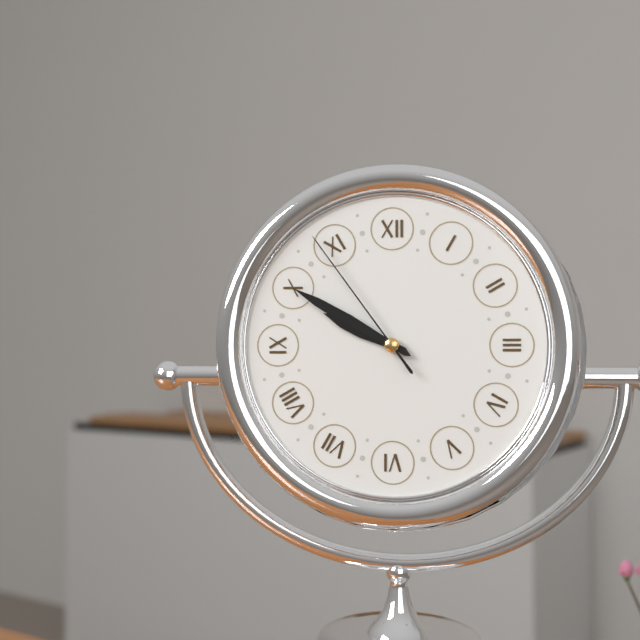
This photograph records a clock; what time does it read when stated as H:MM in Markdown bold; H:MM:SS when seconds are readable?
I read **9:50:54**
